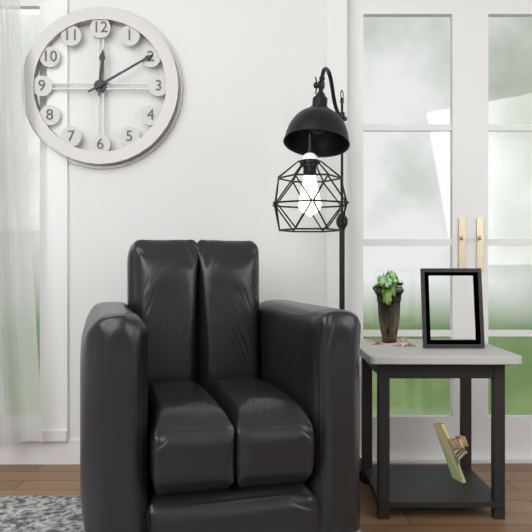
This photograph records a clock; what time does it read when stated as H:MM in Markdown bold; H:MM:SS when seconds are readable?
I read **12:10**
